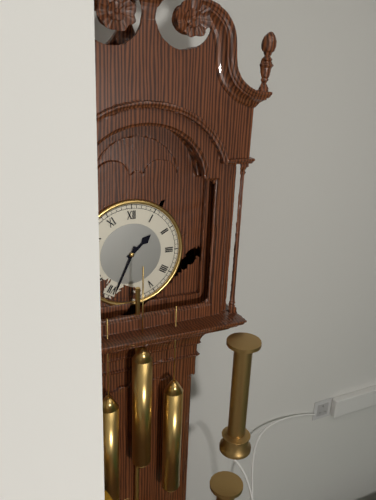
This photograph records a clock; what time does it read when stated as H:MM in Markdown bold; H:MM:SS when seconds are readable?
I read **1:34**
